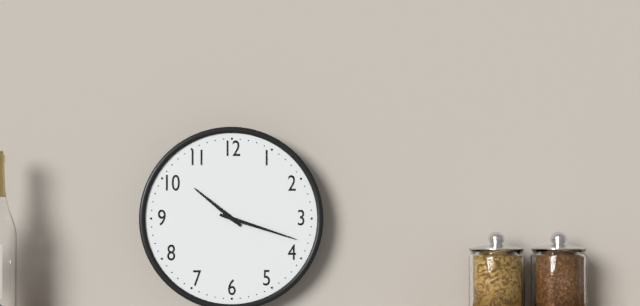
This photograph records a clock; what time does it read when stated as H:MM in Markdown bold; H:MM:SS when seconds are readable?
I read **10:18**
